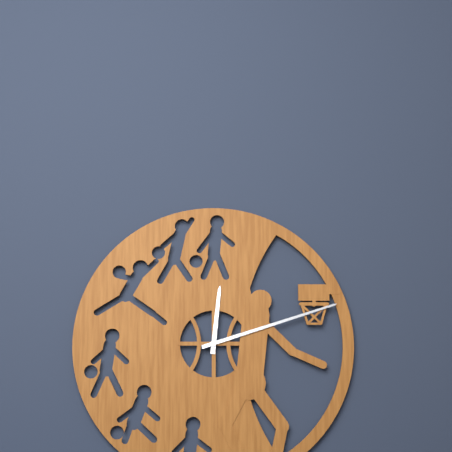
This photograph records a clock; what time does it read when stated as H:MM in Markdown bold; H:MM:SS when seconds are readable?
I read **12:12**
